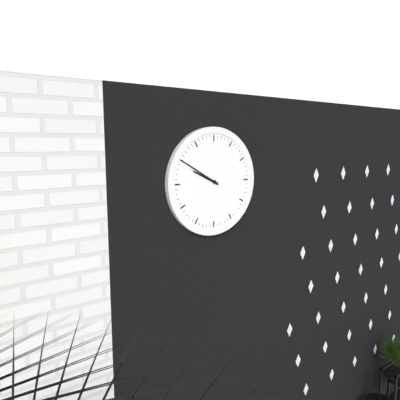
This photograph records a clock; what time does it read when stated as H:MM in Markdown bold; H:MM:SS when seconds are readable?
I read **9:50**
